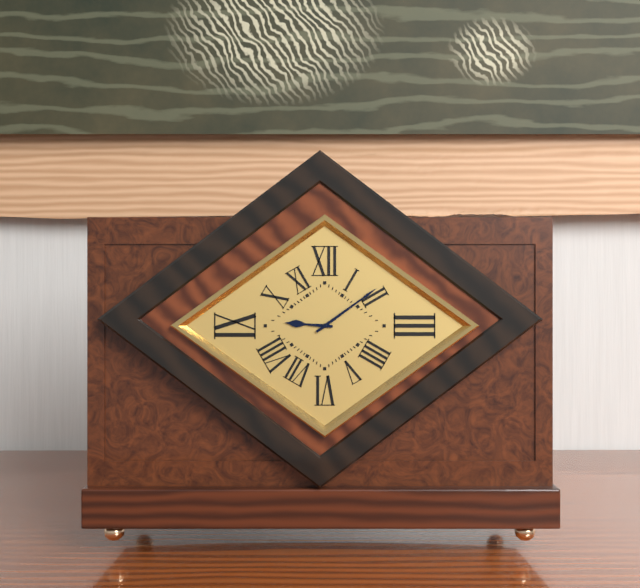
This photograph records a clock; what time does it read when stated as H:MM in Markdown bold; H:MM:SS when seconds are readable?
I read **9:09**
